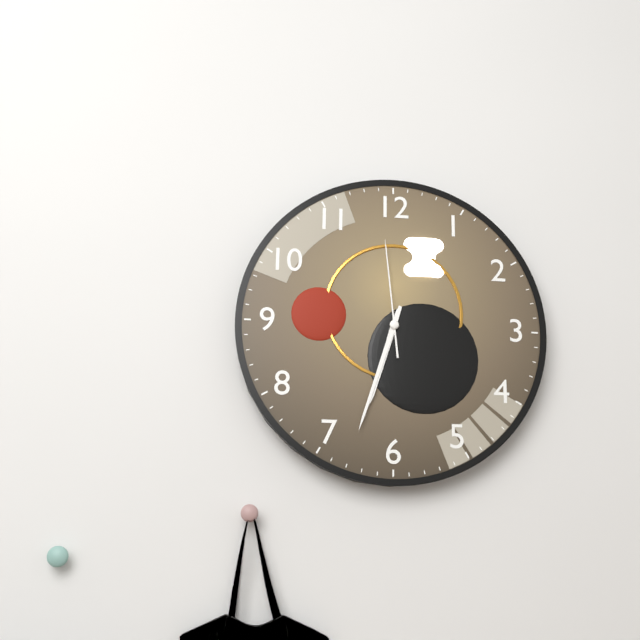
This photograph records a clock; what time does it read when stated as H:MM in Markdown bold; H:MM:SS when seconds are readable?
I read **6:33:59**
